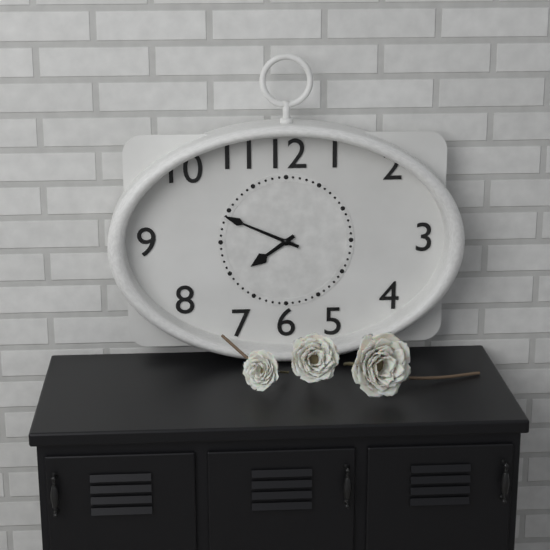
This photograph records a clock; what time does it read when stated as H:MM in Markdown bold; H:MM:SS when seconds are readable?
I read **7:49**
